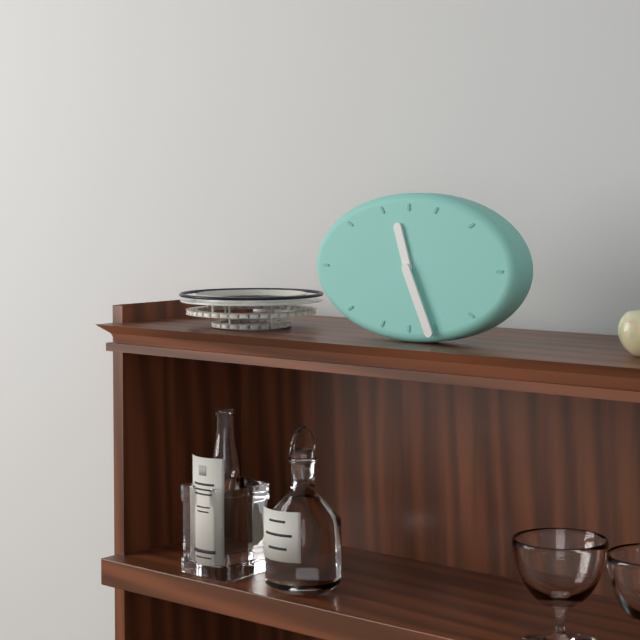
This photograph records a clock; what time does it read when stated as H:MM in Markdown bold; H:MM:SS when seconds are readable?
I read **11:26**
